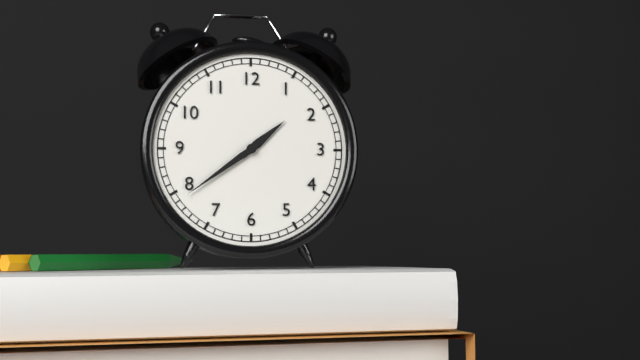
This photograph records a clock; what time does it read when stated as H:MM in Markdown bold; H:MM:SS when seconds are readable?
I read **1:39**
